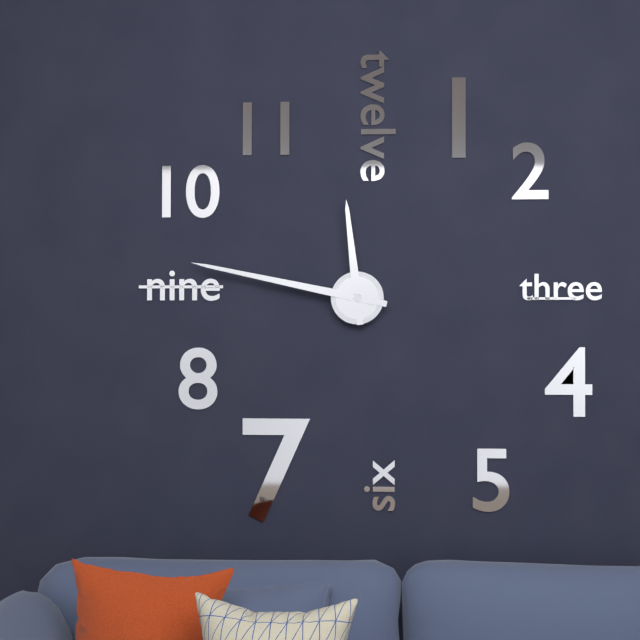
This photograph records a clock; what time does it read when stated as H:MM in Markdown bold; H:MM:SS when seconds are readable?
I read **11:47**
